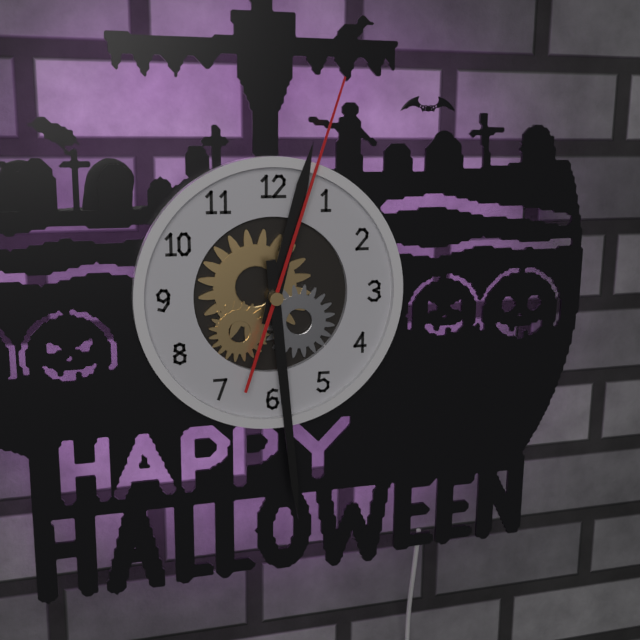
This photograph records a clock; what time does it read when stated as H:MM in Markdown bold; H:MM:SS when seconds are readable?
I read **12:29:03**
